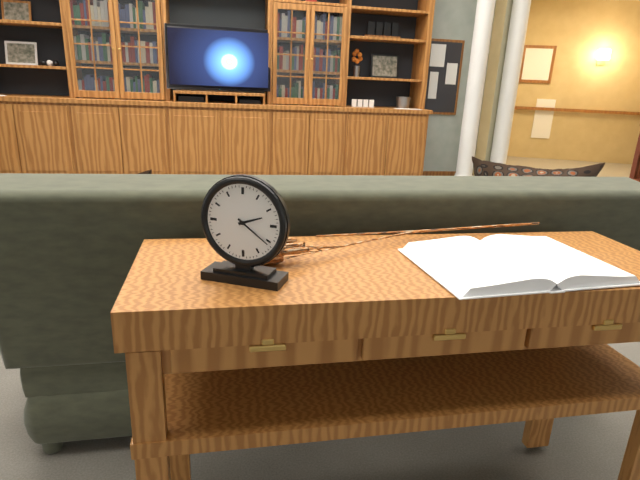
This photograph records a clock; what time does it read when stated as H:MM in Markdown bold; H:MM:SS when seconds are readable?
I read **2:21**
